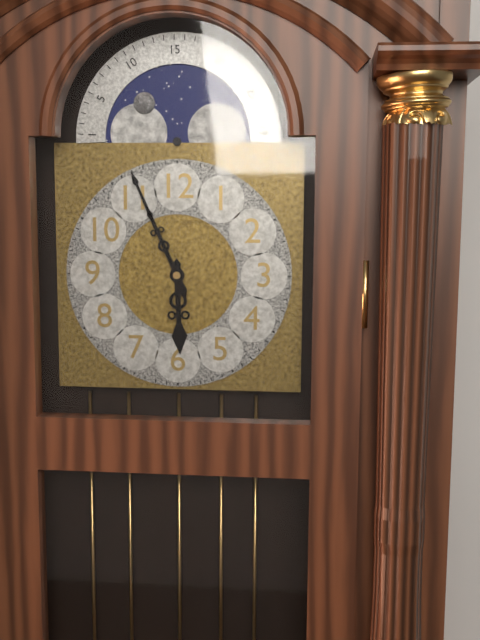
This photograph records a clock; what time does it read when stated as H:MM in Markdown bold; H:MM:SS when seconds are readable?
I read **5:56**
